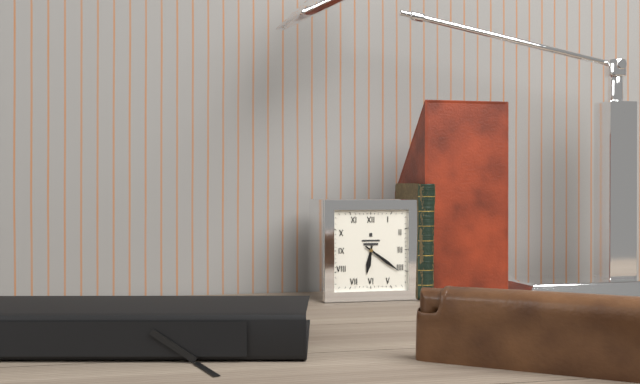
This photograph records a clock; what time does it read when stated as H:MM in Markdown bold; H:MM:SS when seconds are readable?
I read **6:21**
